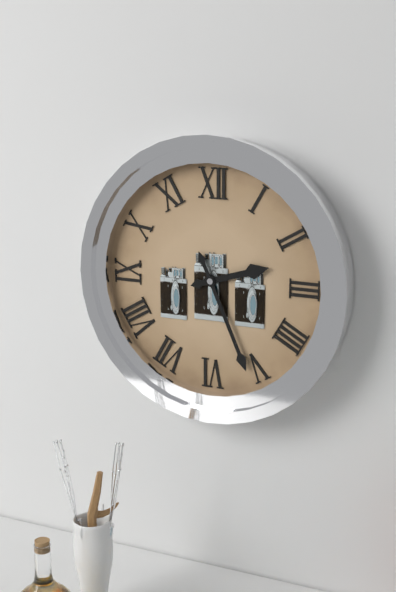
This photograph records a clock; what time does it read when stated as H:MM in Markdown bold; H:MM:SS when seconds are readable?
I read **2:26**
